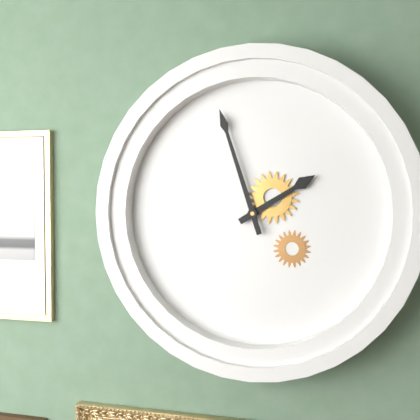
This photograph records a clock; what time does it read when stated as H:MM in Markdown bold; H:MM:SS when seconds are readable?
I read **1:57**
